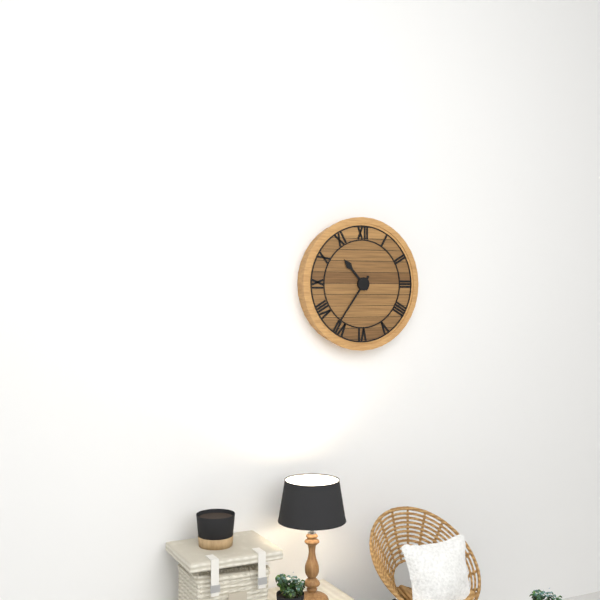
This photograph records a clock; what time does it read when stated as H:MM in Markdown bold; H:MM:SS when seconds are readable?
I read **10:36**
